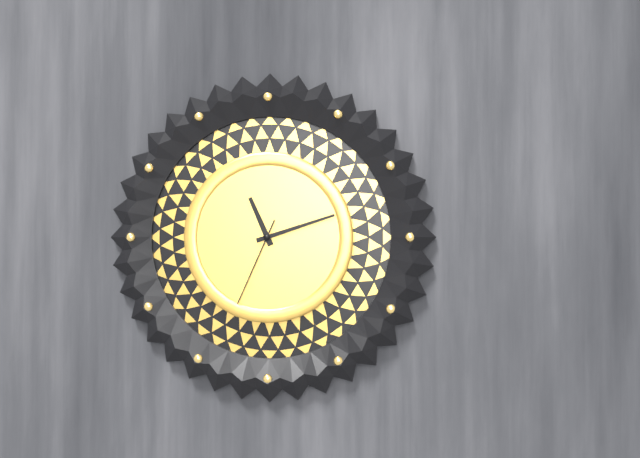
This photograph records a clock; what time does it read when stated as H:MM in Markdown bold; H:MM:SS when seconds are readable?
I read **11:12:34**
